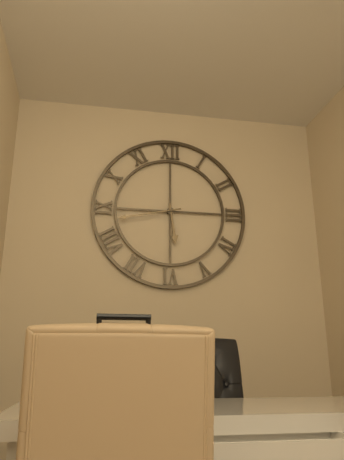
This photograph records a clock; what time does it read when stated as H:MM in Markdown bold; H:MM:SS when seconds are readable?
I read **5:43**
